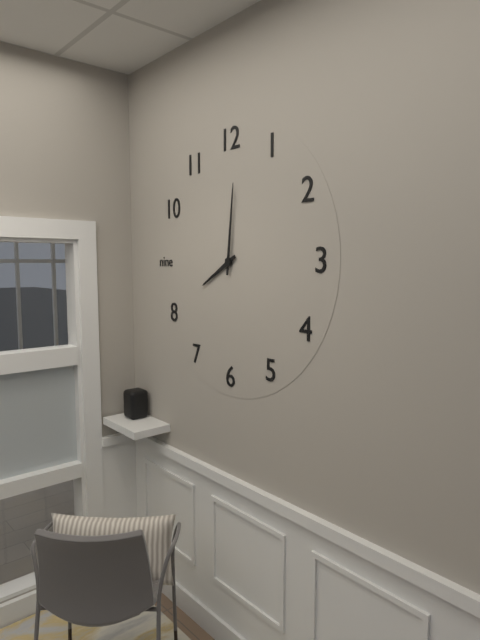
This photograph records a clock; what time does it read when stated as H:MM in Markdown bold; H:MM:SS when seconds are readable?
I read **8:01**
